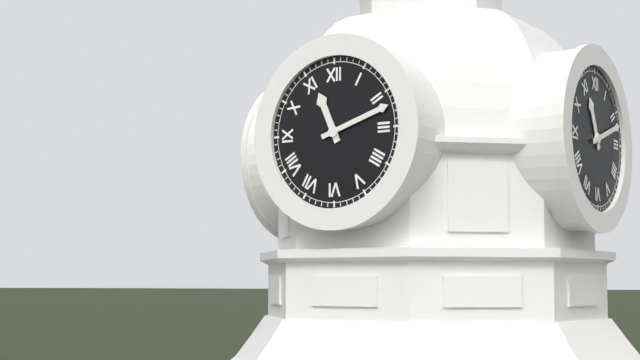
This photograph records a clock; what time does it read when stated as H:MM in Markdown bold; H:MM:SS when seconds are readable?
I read **11:12**
